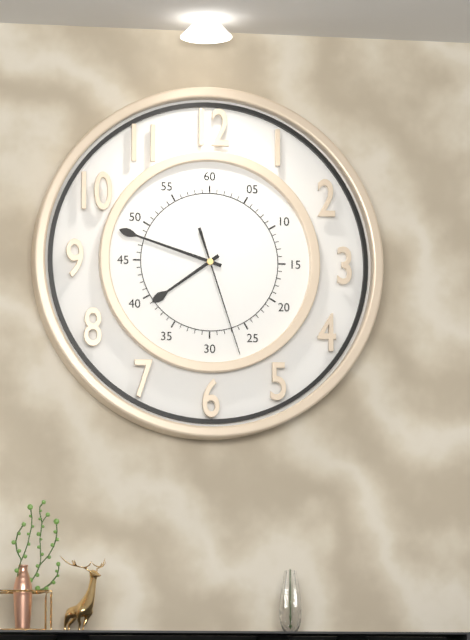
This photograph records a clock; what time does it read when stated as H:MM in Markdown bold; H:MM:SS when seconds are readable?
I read **7:48:27**
